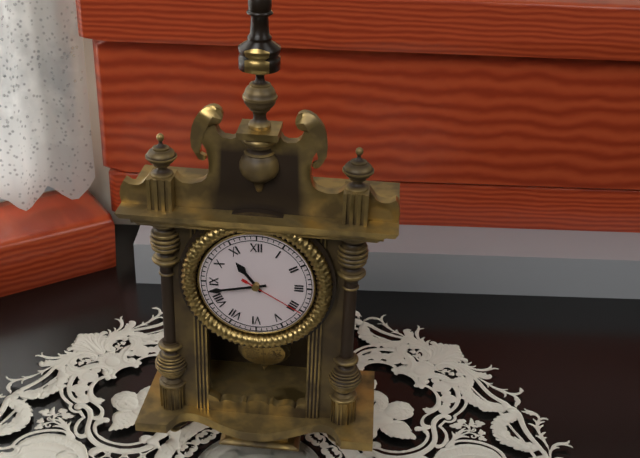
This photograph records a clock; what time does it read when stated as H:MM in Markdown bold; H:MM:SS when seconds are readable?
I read **10:43:20**
